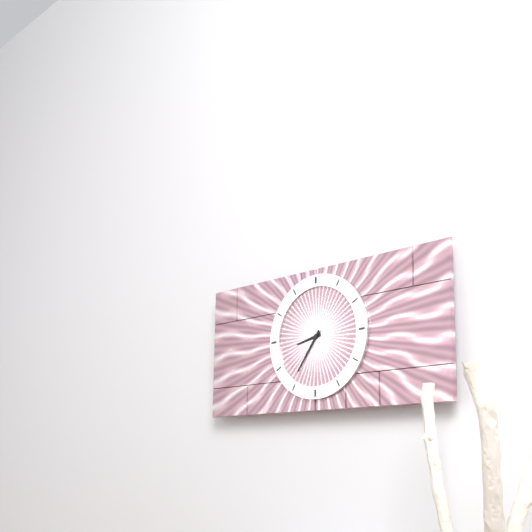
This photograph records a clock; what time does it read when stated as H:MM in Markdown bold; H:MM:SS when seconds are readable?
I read **8:36**
